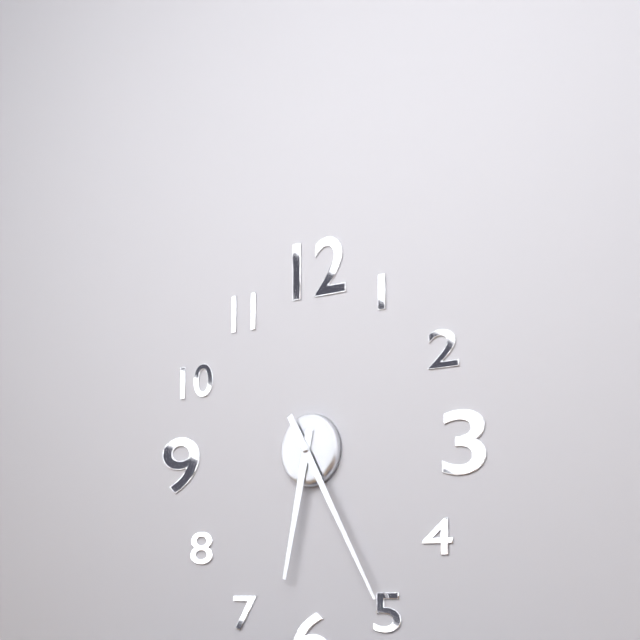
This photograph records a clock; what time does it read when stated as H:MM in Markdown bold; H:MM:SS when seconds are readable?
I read **6:25**
